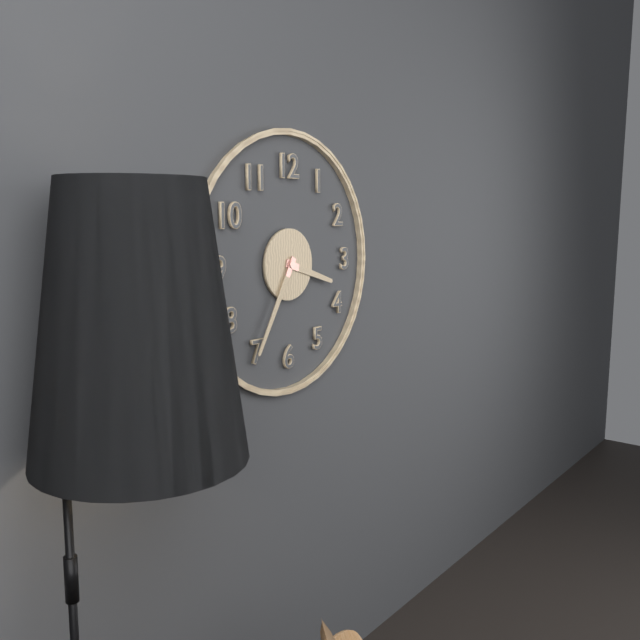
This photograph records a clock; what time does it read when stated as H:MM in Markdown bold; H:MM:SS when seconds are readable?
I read **3:35**
